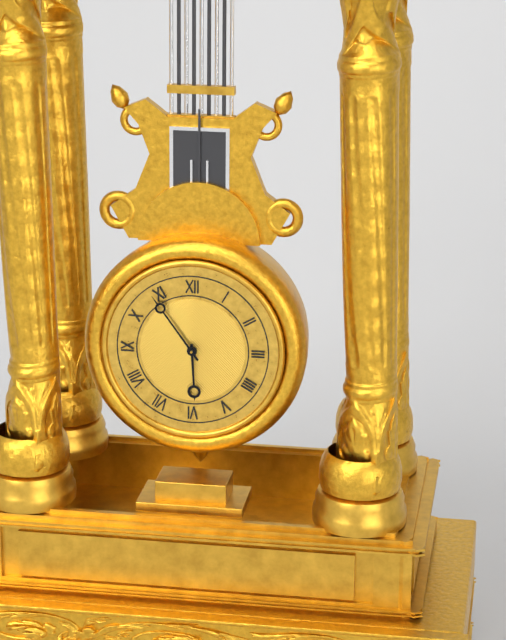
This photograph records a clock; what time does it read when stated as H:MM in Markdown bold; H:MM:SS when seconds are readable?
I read **5:54**
